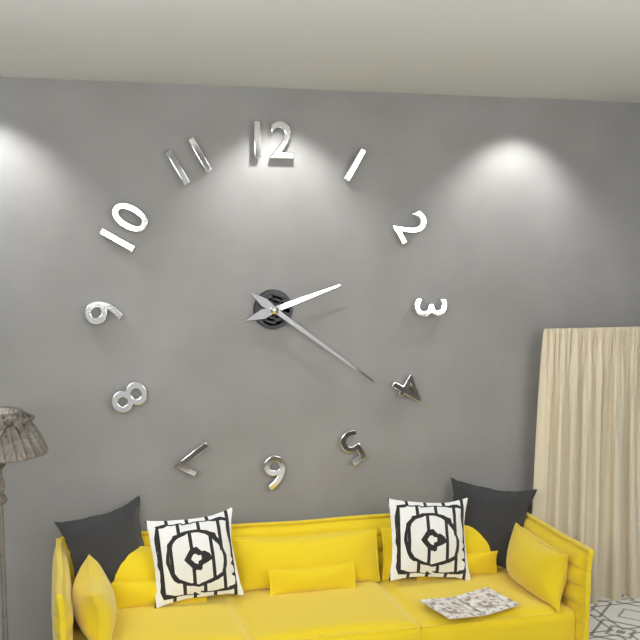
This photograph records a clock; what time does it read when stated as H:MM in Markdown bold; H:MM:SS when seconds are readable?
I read **2:21**
